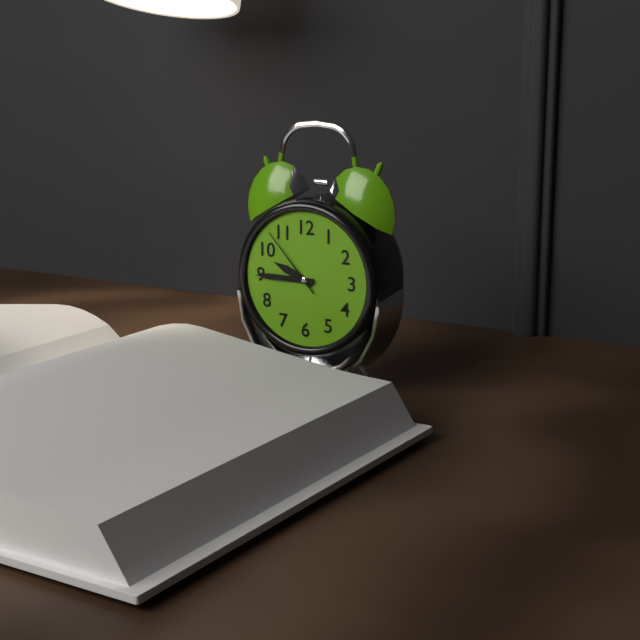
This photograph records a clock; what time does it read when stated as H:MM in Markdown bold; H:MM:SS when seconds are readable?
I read **9:45:53**
